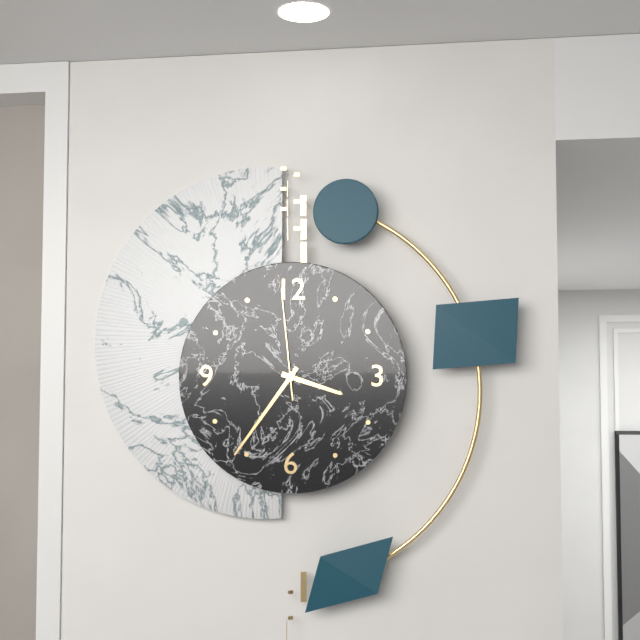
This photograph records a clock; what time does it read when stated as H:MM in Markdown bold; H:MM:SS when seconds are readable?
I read **3:36:59**
